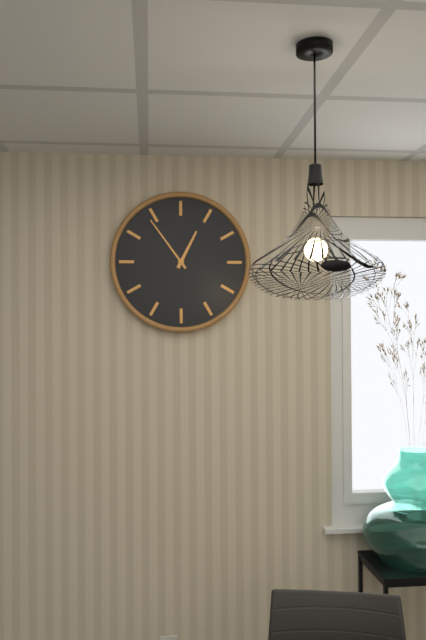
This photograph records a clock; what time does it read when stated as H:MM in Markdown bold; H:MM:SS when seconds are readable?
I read **12:54**
